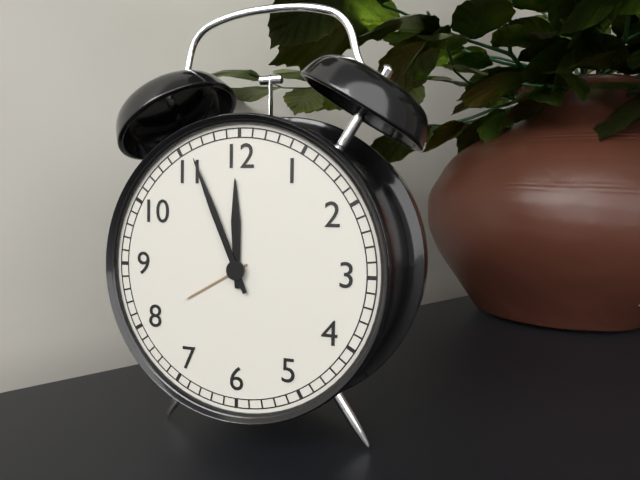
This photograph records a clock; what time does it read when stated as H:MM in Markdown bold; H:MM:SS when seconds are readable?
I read **11:56**
